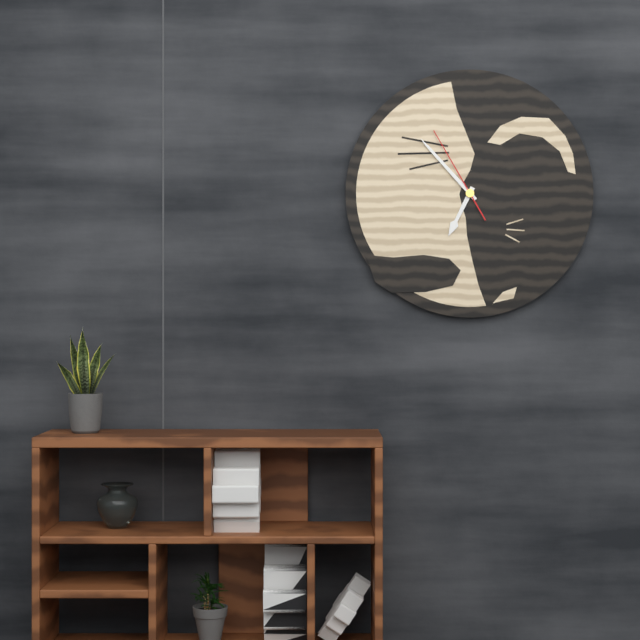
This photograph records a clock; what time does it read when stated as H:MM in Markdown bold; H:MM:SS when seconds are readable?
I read **6:53:55**
